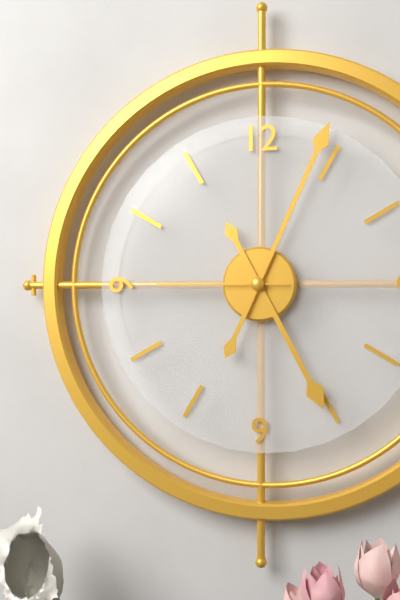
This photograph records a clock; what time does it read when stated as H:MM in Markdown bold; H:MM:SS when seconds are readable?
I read **5:04:45**
